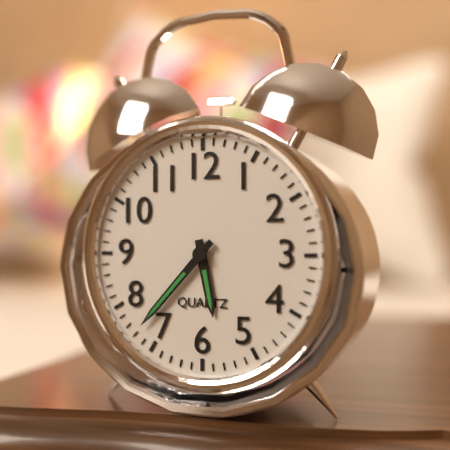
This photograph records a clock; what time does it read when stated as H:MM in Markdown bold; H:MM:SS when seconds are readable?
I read **5:37**
